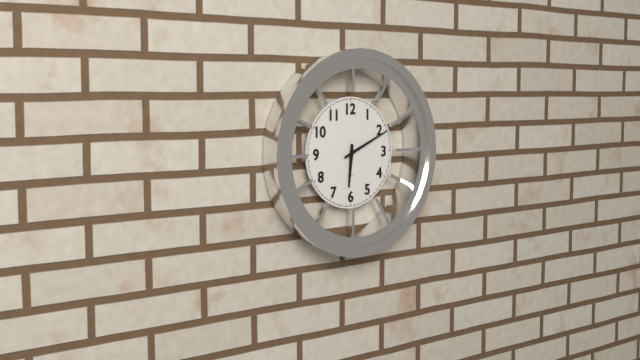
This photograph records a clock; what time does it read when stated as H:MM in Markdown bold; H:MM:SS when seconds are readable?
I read **6:11**
